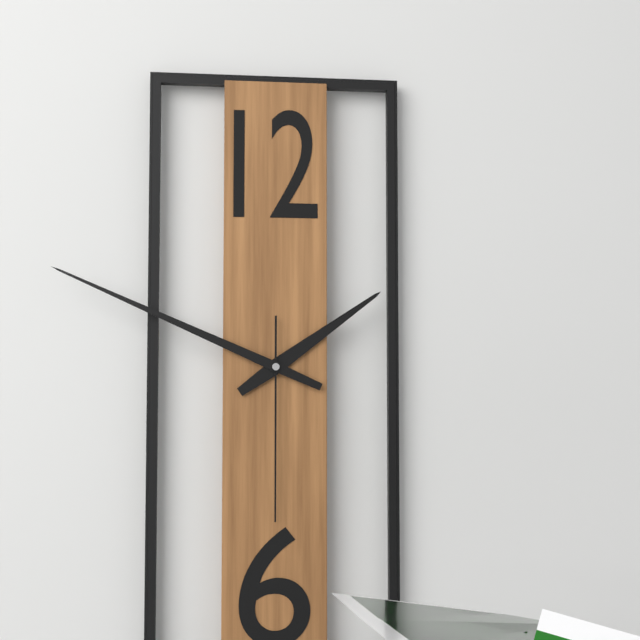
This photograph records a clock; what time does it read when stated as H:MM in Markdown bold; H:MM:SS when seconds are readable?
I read **1:49:30**
